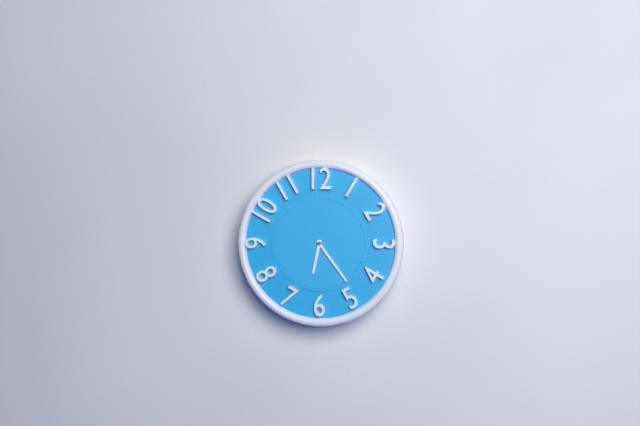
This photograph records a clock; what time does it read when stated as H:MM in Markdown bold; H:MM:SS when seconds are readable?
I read **6:24**
